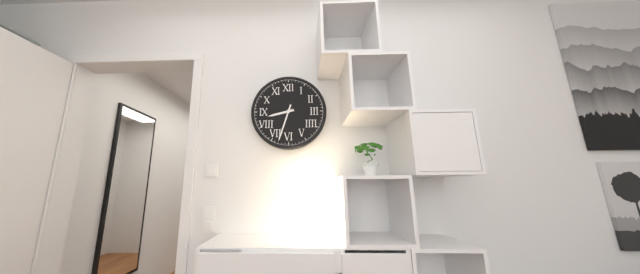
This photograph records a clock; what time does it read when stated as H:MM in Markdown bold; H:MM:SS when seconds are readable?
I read **8:33**
